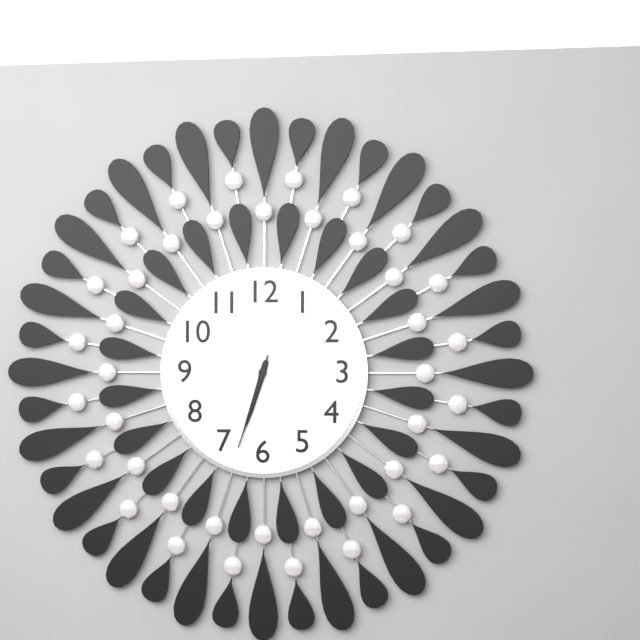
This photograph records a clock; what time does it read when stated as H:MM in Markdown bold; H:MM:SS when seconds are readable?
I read **6:33:33**
